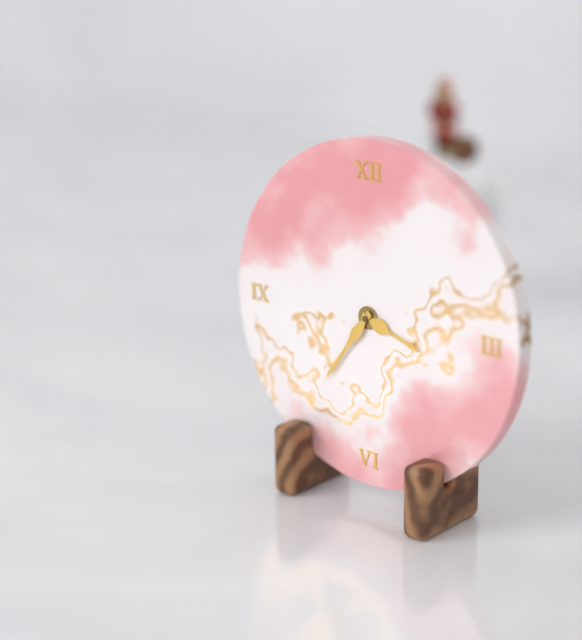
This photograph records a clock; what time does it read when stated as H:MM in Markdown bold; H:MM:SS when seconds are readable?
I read **3:36**
